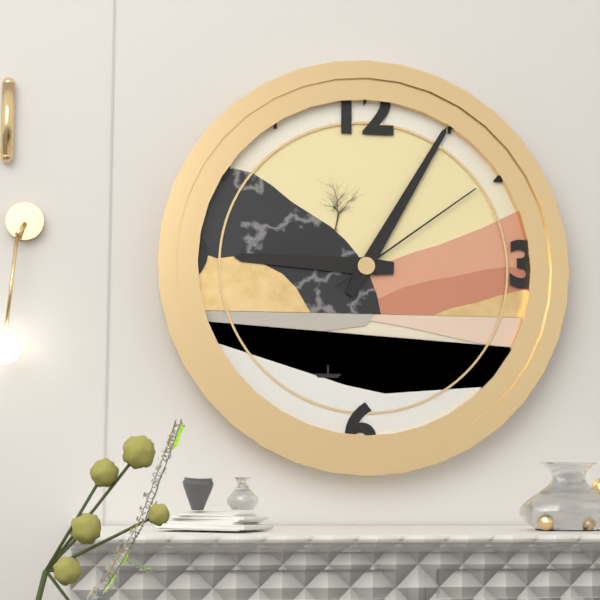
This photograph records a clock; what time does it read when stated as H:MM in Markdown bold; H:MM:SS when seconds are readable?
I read **9:05:09**
